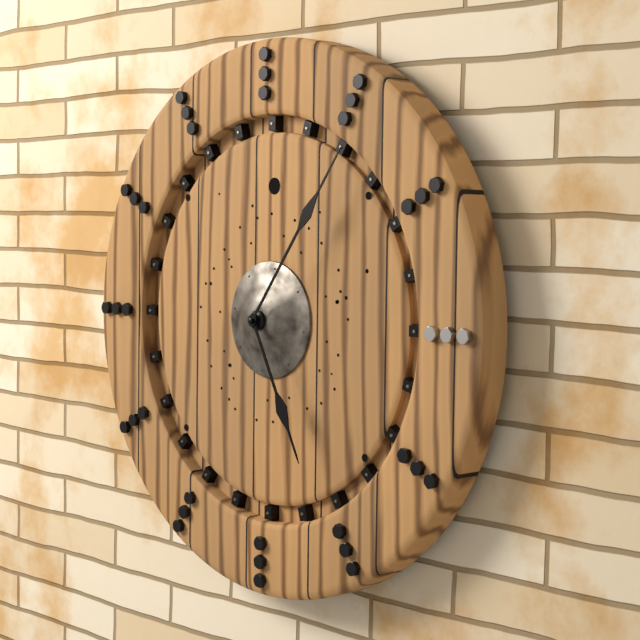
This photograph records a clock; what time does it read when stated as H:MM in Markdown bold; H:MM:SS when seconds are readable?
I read **5:06**
